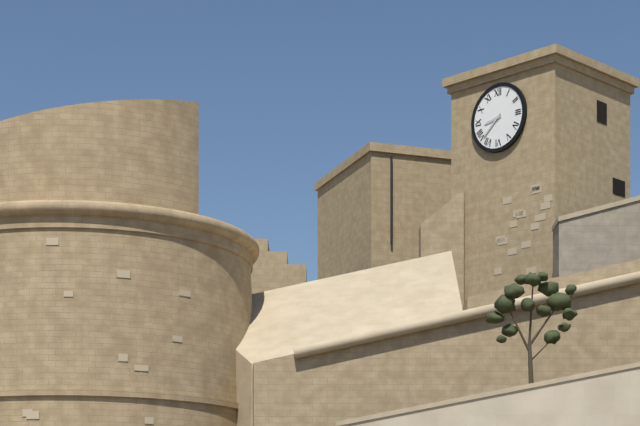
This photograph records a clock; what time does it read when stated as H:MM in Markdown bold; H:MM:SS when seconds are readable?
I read **8:38**
